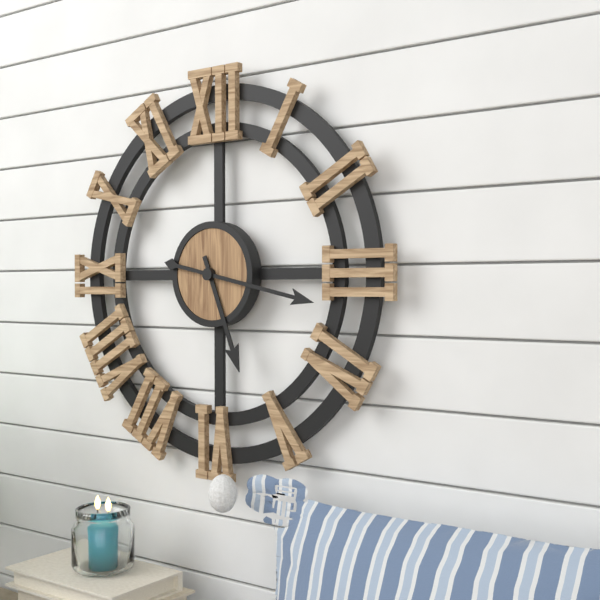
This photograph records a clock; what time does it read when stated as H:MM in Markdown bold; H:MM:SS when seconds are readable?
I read **5:17**
